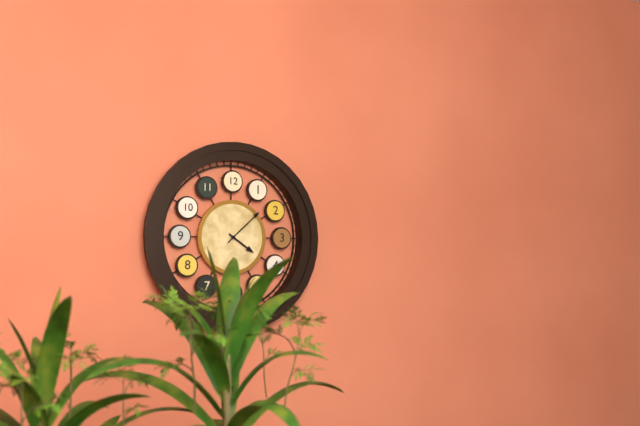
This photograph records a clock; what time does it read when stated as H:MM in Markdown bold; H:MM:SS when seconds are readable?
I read **4:08**
